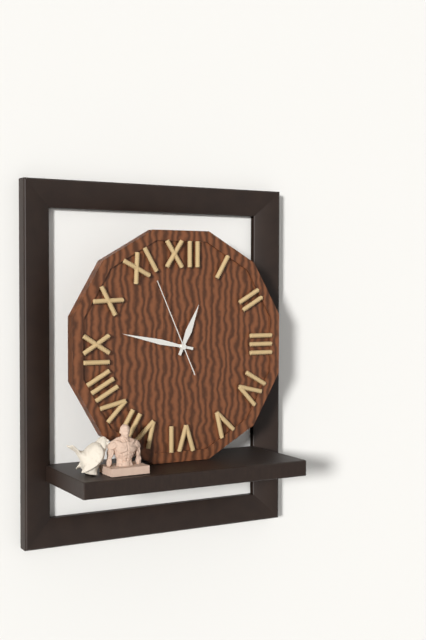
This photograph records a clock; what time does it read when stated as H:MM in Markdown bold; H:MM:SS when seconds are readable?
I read **12:47:56**
